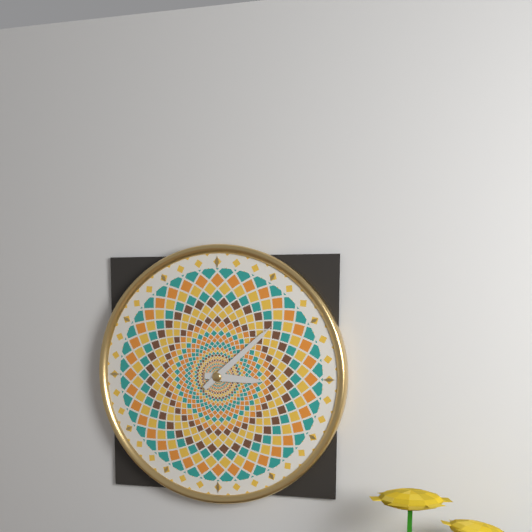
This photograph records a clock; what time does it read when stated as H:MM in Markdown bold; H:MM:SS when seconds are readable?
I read **3:08**
